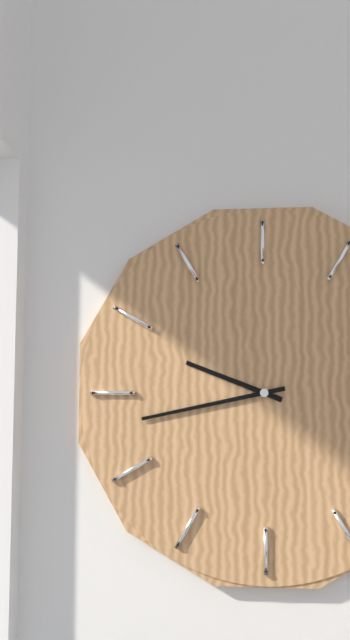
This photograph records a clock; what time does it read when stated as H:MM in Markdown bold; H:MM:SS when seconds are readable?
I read **9:43**
